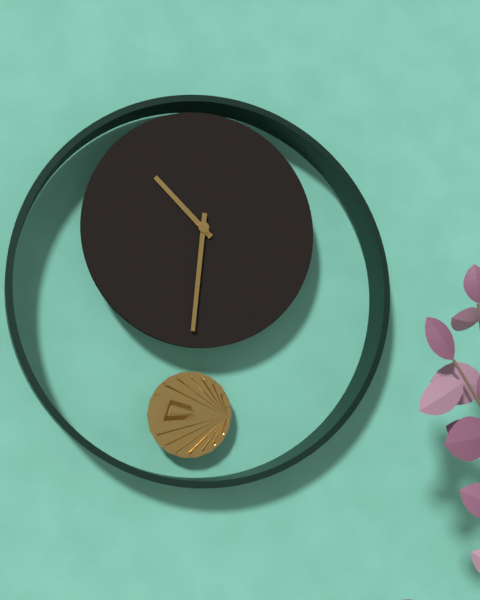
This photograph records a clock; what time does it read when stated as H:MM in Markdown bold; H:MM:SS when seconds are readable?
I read **10:31**
